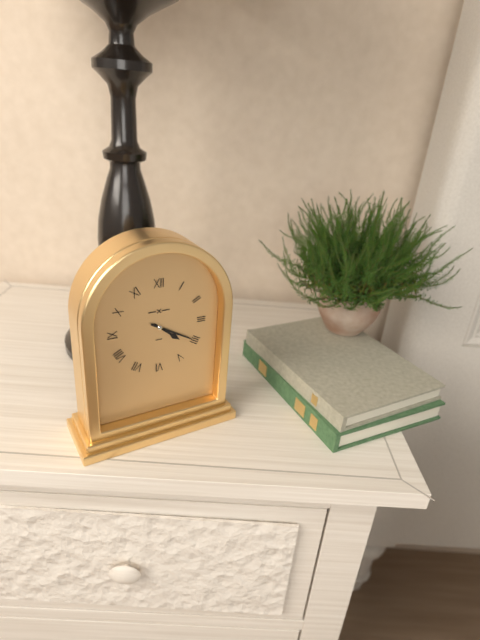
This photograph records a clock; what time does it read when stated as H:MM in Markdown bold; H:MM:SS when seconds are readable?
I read **4:20**
